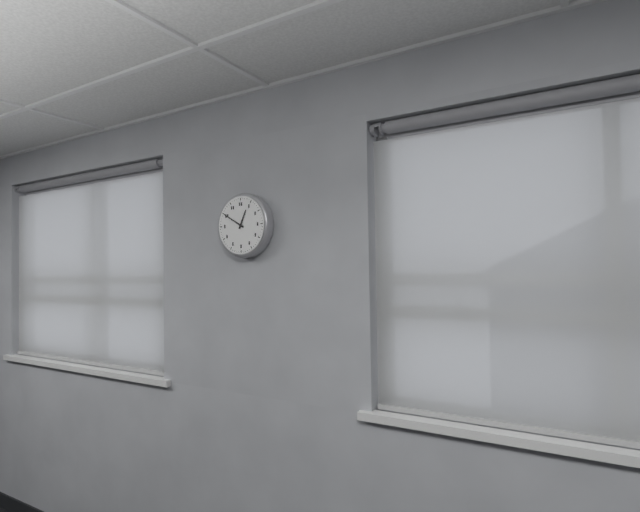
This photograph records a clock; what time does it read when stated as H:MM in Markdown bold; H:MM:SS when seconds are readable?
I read **12:50**
